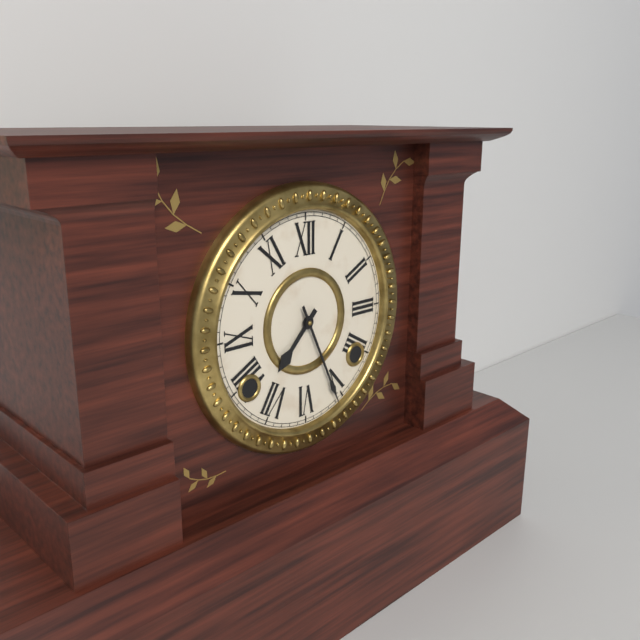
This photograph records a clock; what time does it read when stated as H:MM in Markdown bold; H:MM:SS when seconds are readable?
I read **7:26**
